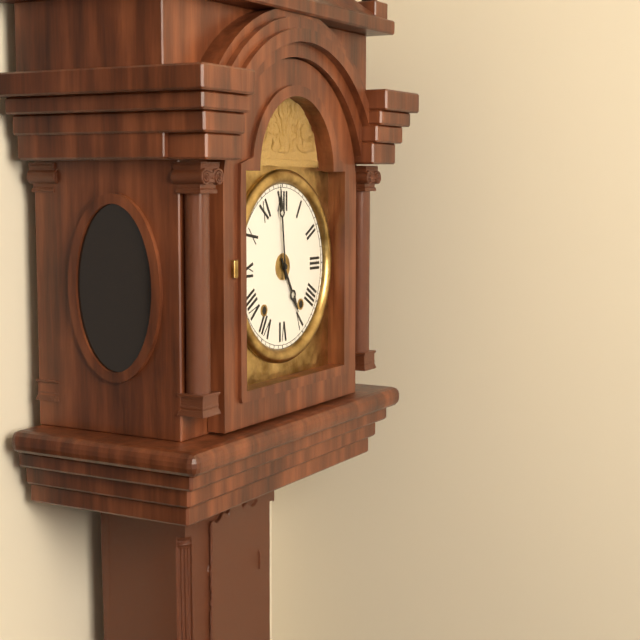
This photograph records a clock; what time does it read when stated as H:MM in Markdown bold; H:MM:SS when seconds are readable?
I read **4:59**
